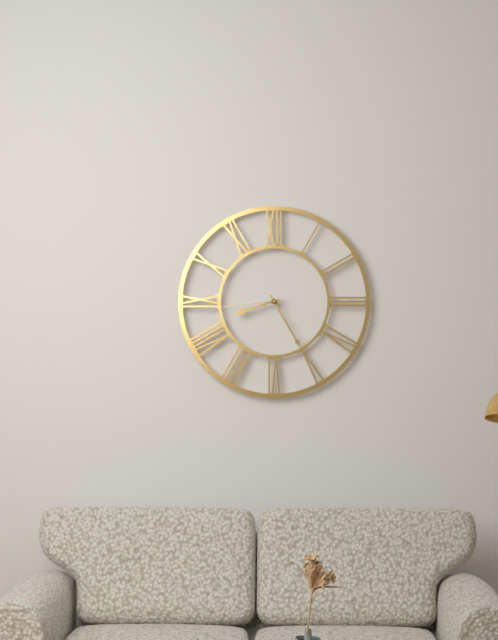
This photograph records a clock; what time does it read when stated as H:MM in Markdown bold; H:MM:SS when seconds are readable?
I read **8:25:44**
